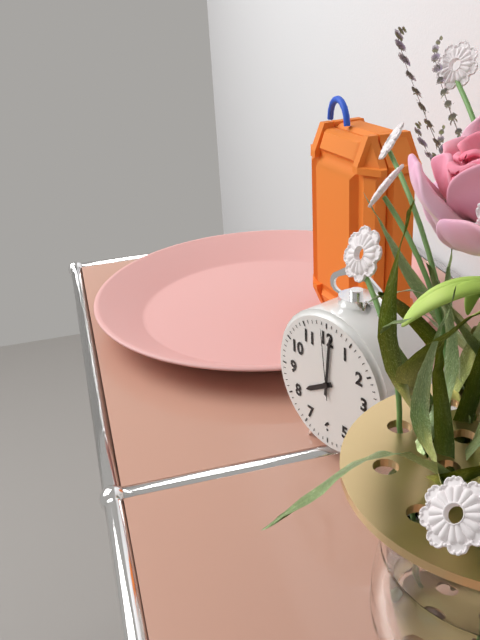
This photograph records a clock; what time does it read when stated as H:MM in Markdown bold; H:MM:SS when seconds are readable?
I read **8:01:59**
